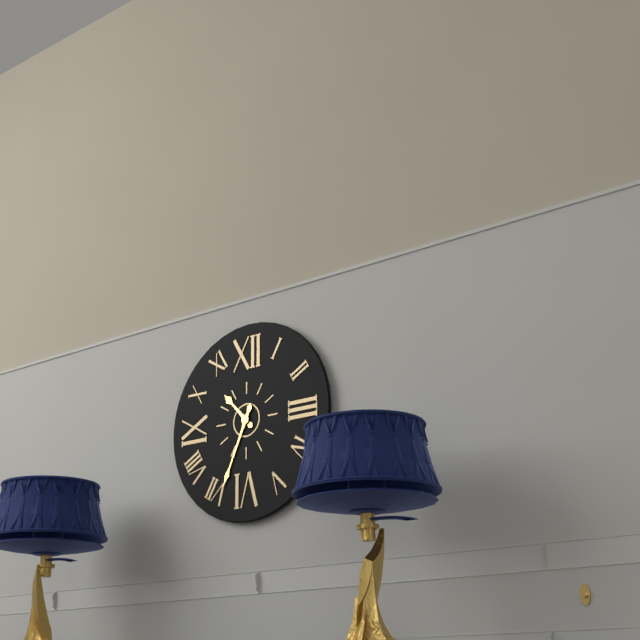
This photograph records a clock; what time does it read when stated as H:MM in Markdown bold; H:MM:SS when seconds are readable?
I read **10:34**
